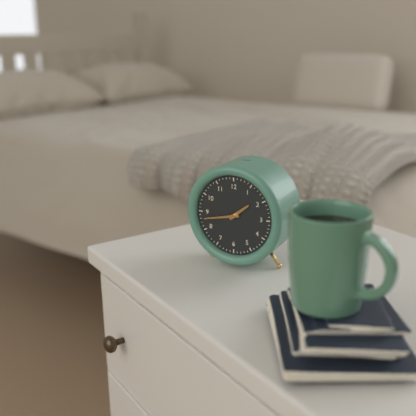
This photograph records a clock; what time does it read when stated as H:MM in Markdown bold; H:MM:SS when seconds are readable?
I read **1:43**
